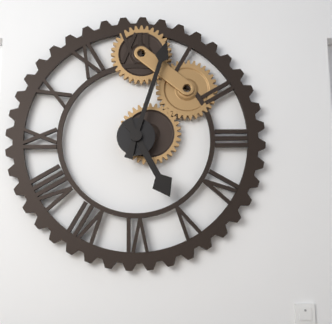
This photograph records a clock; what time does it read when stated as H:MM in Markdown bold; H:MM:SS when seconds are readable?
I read **5:03**
